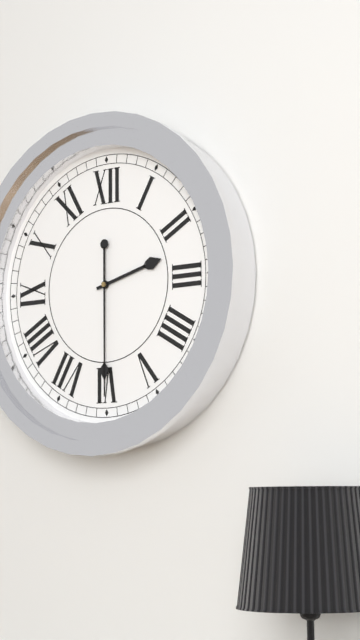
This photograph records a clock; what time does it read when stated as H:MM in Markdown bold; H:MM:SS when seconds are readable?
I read **2:30**
